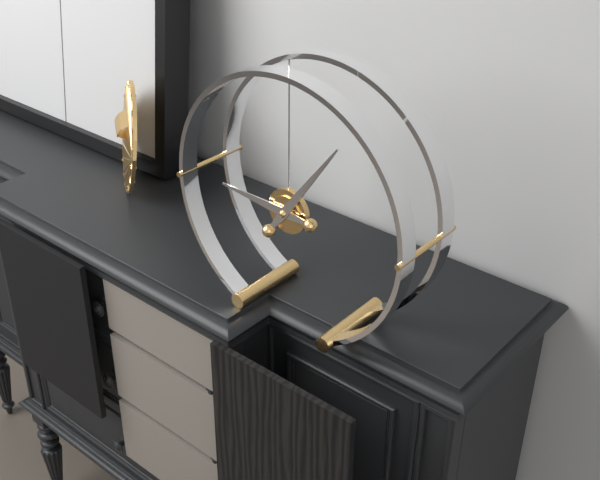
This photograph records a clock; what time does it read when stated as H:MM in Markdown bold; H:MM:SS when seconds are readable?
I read **9:06**
